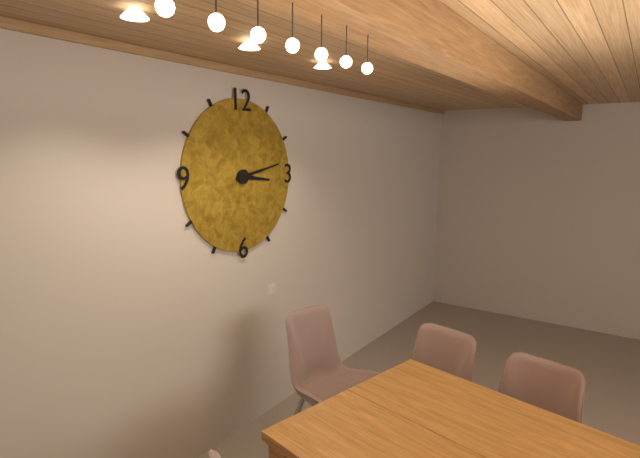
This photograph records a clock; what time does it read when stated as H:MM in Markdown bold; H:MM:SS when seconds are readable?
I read **3:13**
